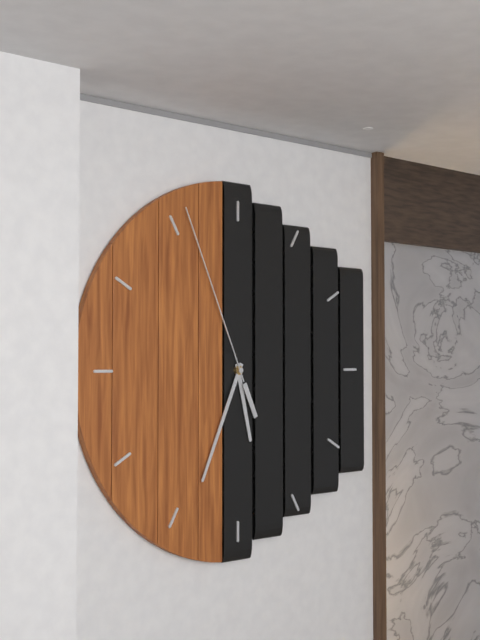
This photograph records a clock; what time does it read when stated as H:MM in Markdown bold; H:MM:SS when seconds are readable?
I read **5:34:56**
